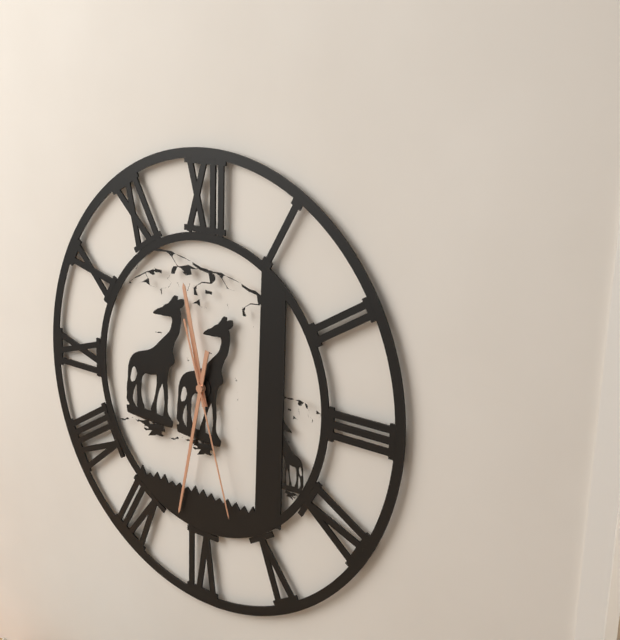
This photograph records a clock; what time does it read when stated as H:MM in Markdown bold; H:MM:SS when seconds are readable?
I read **11:32:27**
